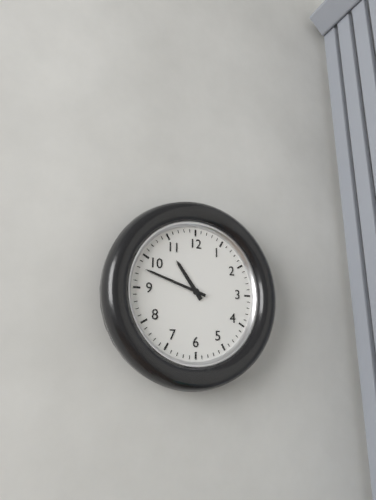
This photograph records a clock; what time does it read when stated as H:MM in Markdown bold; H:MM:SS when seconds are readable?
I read **10:48**
